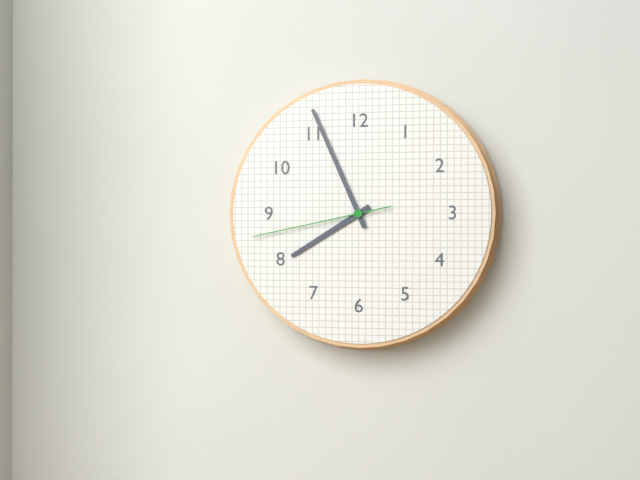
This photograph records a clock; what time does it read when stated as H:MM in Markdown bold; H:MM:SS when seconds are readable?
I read **7:56:43**
